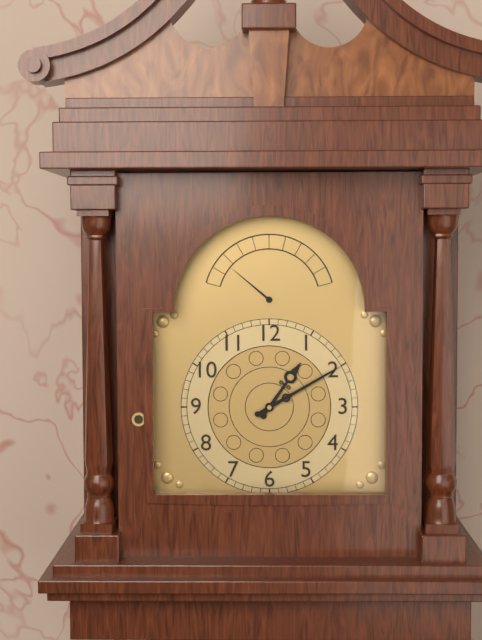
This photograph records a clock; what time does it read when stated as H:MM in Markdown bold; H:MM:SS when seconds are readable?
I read **1:10**
